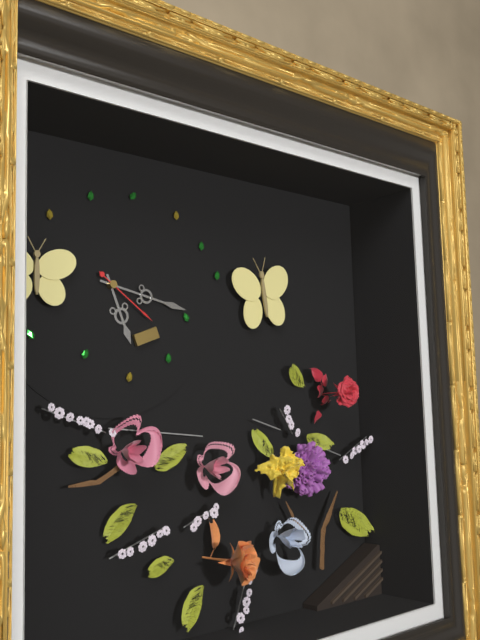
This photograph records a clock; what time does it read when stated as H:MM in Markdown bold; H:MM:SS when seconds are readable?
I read **5:17:21**
